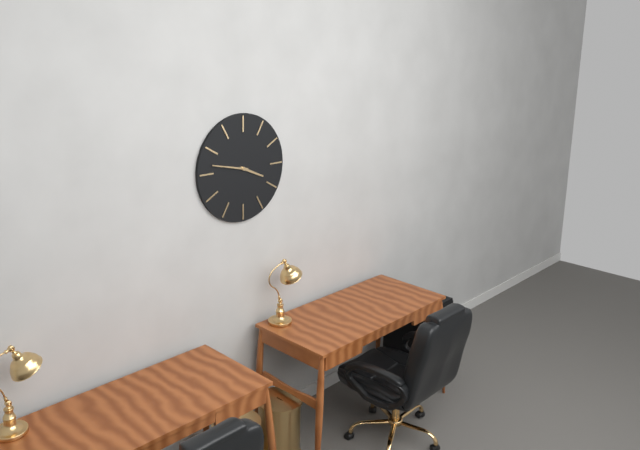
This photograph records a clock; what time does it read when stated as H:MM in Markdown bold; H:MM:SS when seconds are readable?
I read **3:47**
